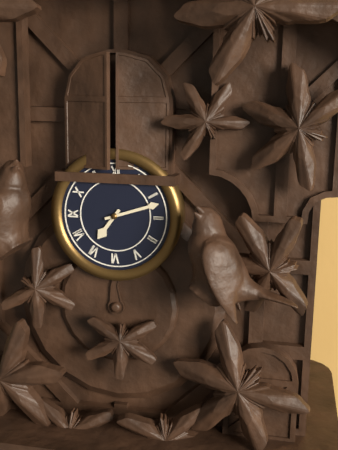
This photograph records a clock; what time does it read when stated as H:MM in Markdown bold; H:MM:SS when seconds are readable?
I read **7:12**
